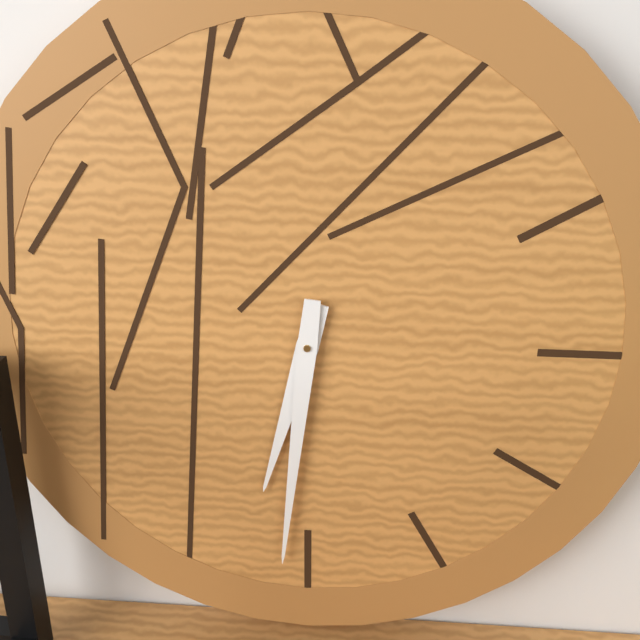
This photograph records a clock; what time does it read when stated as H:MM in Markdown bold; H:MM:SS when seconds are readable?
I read **6:31**
